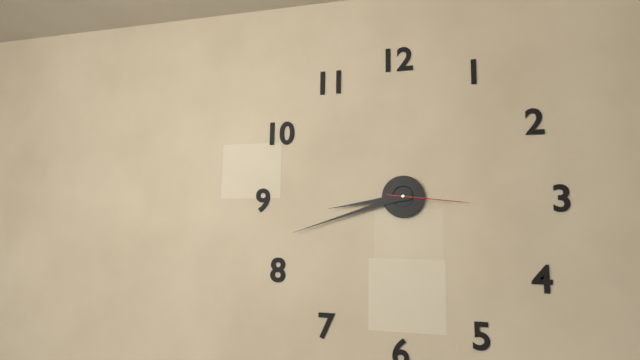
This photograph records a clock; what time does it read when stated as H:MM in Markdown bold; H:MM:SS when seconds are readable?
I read **8:42:16**
